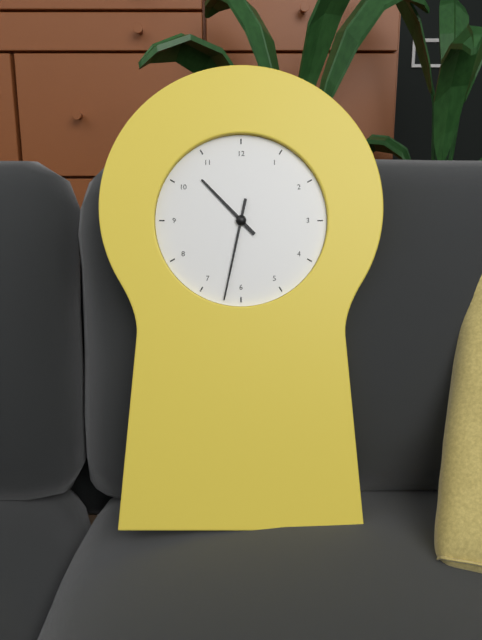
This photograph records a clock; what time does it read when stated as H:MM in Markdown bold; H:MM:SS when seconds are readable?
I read **10:32**
